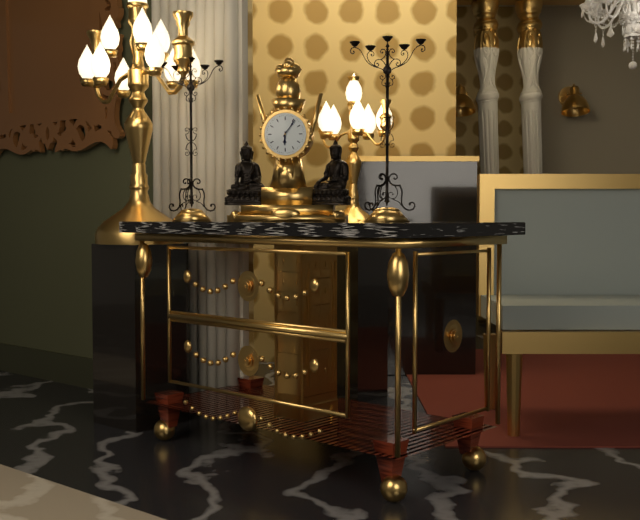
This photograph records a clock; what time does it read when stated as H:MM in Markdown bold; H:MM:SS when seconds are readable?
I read **6:06**
